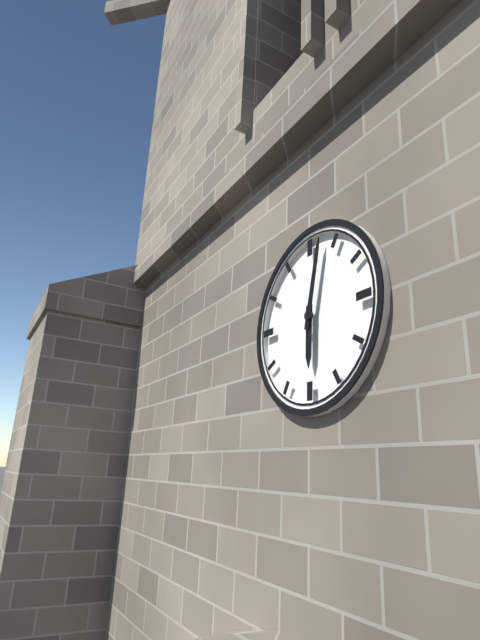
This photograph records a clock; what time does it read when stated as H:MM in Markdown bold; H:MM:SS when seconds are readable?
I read **6:02**
